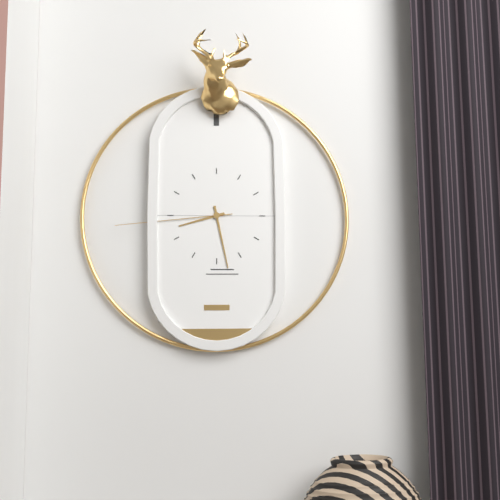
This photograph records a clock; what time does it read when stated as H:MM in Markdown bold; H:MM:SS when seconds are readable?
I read **8:28:44**
